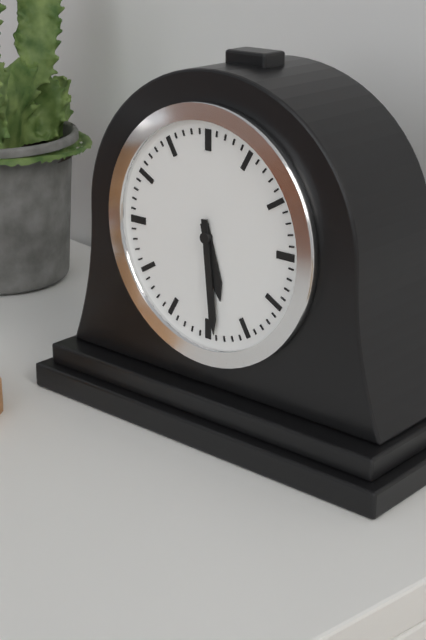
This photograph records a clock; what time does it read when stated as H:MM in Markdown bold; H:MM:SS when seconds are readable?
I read **5:29**
